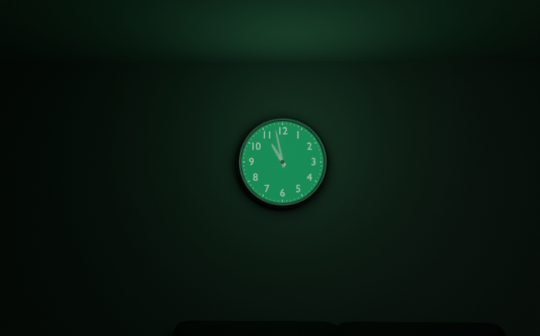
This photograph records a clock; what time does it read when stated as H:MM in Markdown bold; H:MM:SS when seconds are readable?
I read **10:58**
